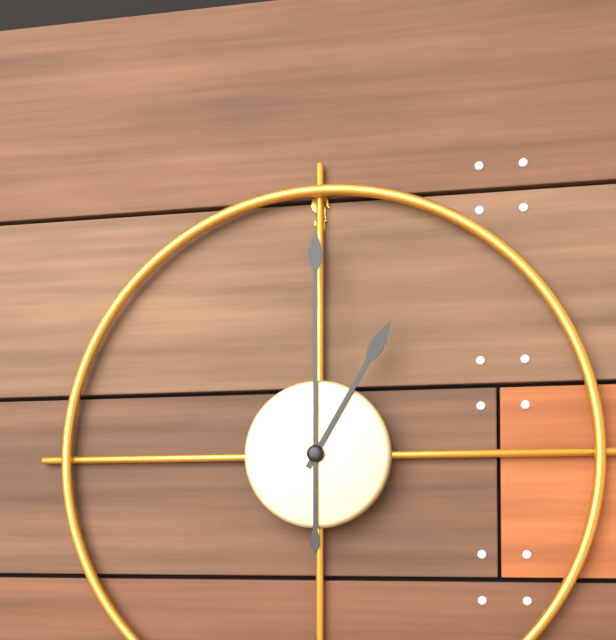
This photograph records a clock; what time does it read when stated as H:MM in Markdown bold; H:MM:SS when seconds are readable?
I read **1:00**
